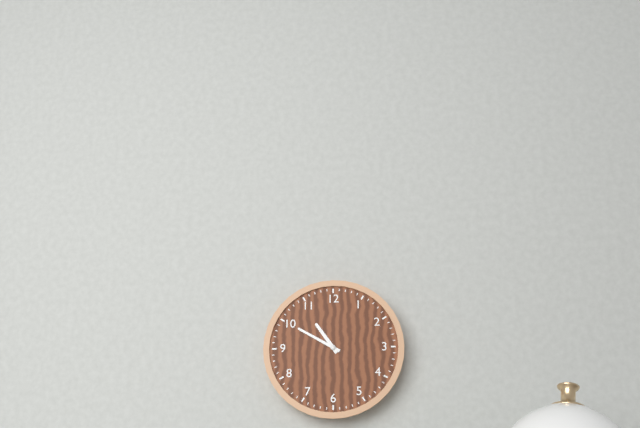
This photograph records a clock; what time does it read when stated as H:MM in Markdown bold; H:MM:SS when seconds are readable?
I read **10:50**
